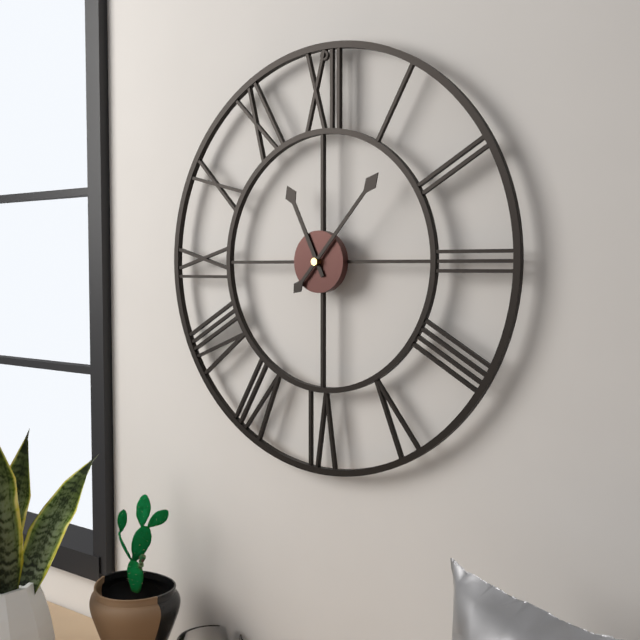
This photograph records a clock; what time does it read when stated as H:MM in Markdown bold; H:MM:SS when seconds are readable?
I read **11:07**
